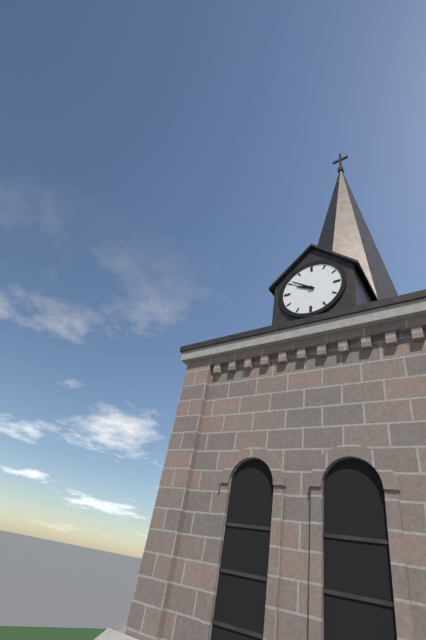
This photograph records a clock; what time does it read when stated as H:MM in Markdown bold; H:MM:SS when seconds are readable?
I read **9:51**
